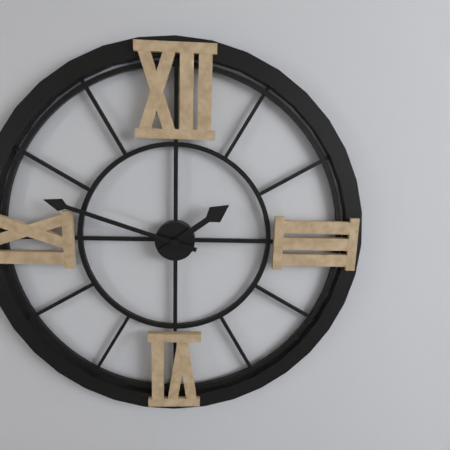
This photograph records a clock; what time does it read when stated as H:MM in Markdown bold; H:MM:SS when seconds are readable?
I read **1:48**
